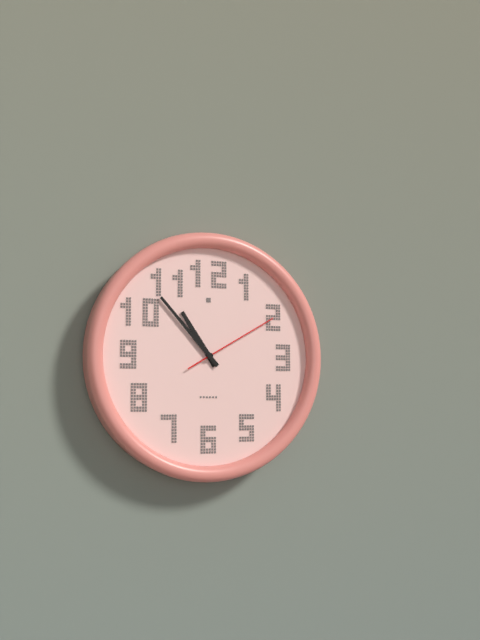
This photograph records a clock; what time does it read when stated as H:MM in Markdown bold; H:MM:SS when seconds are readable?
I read **10:53:10**
